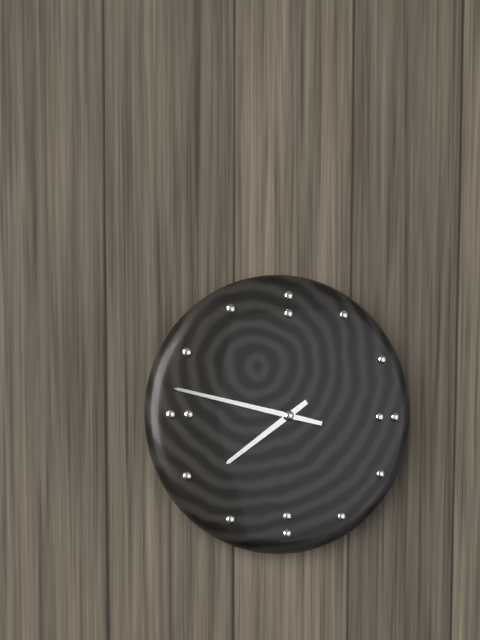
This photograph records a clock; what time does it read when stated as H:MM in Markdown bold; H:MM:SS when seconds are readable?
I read **7:47**
